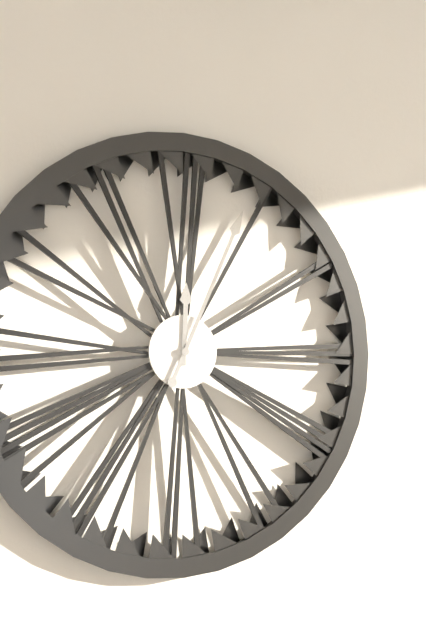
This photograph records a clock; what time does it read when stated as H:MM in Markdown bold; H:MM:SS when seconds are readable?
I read **12:04**
